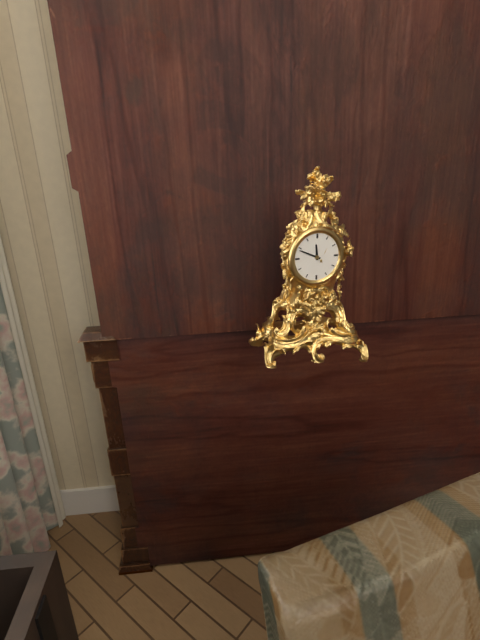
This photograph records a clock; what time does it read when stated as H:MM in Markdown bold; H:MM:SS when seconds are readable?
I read **11:49**
